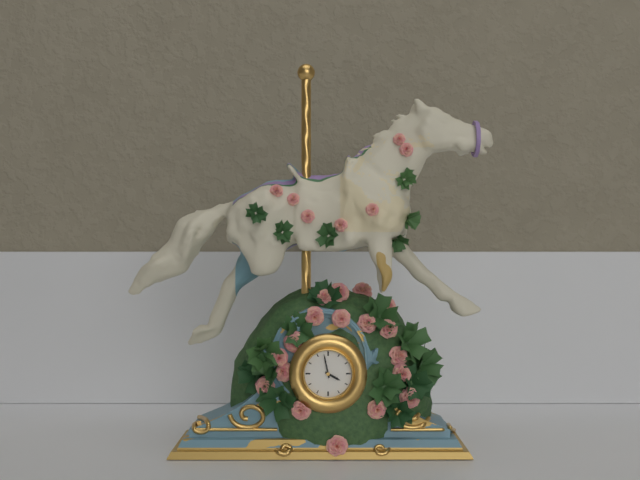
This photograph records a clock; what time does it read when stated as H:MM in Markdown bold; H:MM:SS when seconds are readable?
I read **3:58**
